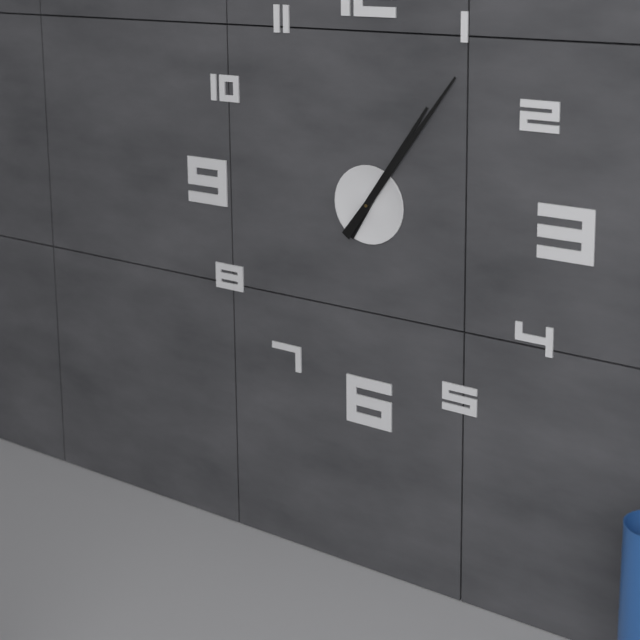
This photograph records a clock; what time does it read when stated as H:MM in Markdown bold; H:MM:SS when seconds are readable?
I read **1:06**
